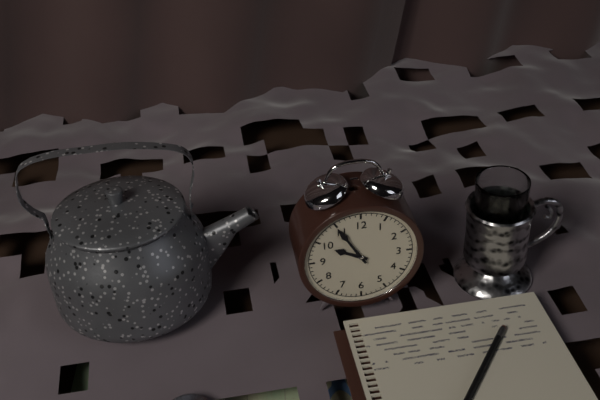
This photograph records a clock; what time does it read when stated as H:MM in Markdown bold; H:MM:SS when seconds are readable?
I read **9:55**
